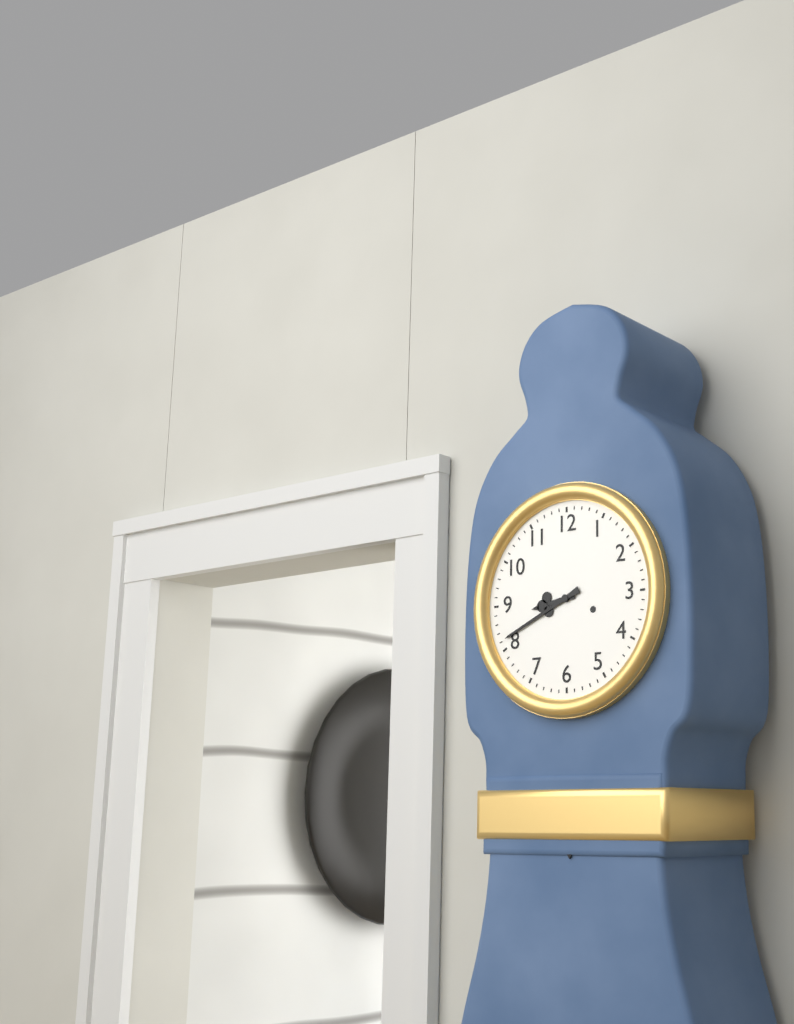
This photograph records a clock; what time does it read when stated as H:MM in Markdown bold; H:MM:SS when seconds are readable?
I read **8:41**
